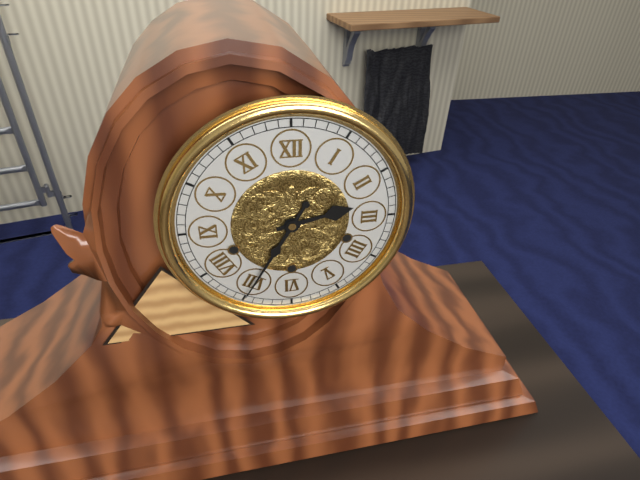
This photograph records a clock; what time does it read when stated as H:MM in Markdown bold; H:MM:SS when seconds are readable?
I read **2:35**
